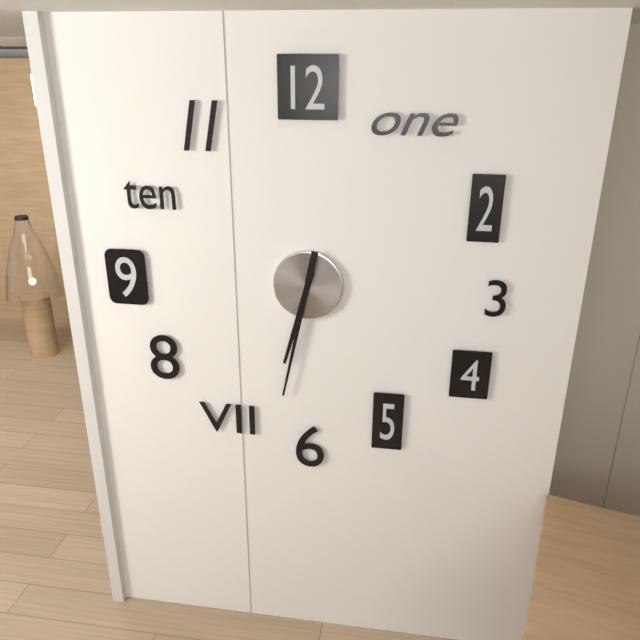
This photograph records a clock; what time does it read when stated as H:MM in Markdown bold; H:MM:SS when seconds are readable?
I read **6:32**
